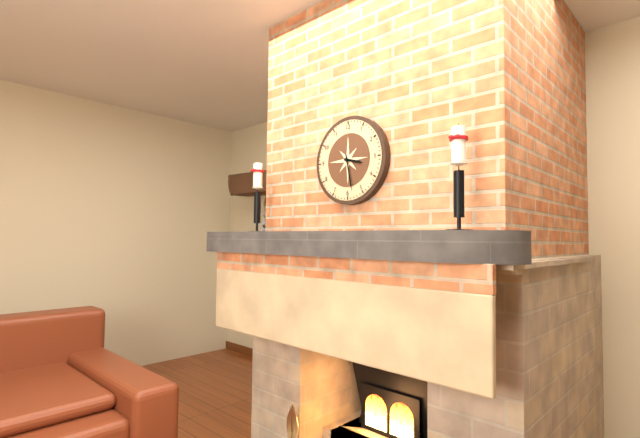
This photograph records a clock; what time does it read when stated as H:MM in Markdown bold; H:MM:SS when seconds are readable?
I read **3:28**
